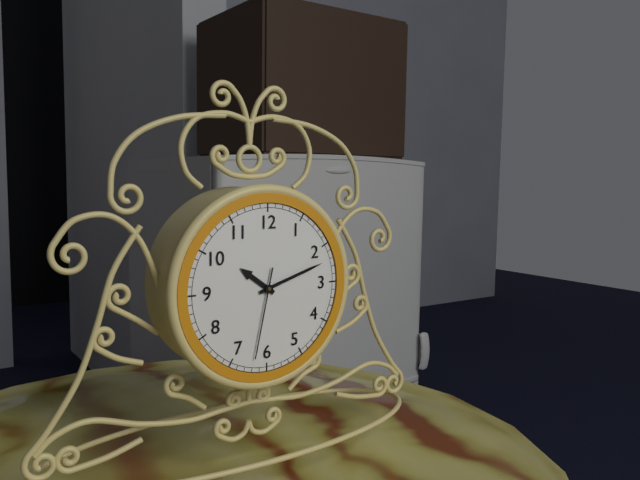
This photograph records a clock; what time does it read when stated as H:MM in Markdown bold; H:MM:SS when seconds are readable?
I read **10:12:32**
